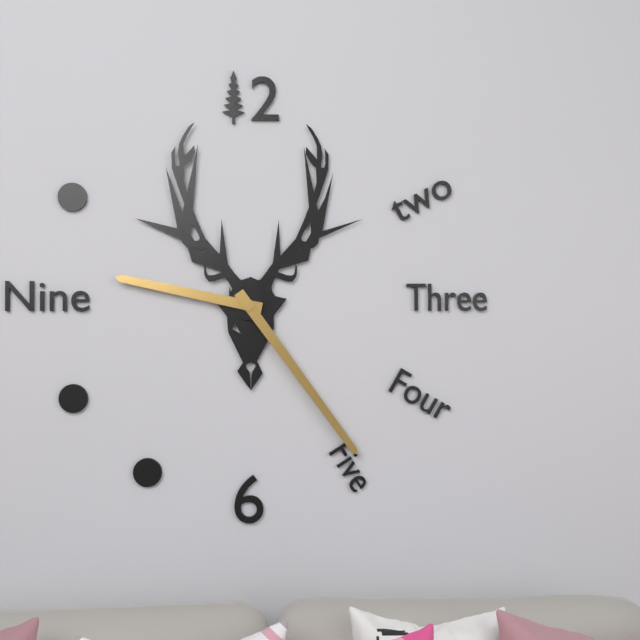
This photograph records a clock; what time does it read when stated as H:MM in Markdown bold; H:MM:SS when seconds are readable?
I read **9:24**
